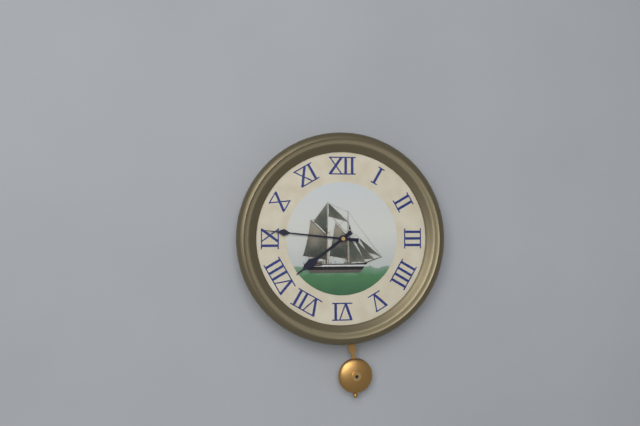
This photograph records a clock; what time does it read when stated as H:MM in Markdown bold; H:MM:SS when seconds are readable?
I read **7:46**
